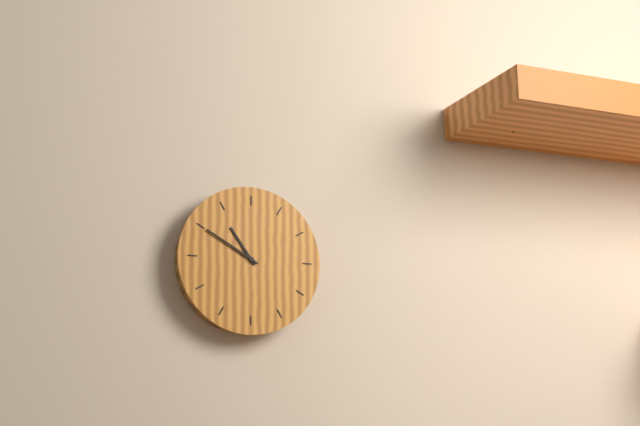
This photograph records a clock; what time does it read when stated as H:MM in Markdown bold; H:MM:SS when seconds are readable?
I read **10:50**
